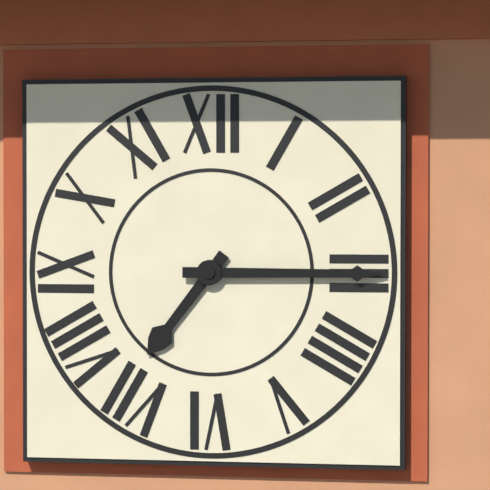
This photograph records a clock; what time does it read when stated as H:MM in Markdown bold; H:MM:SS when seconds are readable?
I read **7:15**
